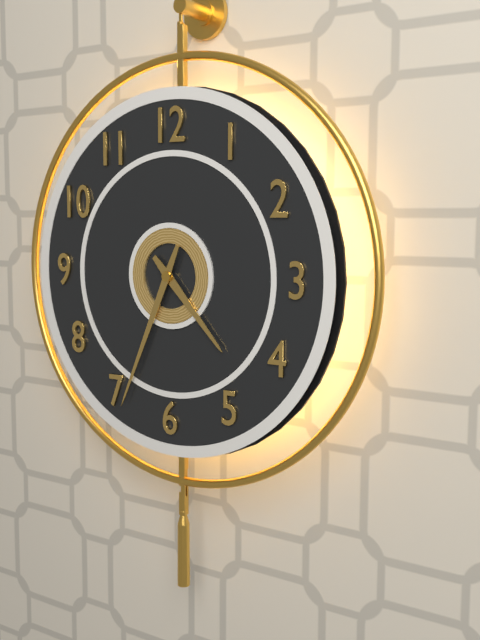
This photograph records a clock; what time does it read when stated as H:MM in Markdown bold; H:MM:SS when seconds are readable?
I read **4:34**
